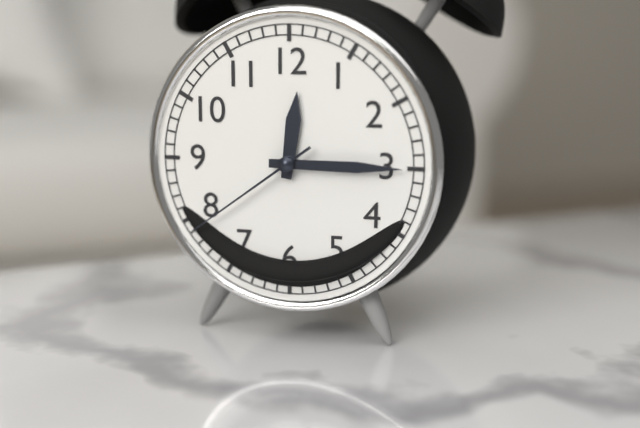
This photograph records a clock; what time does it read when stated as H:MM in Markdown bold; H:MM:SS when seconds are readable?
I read **12:15:39**
